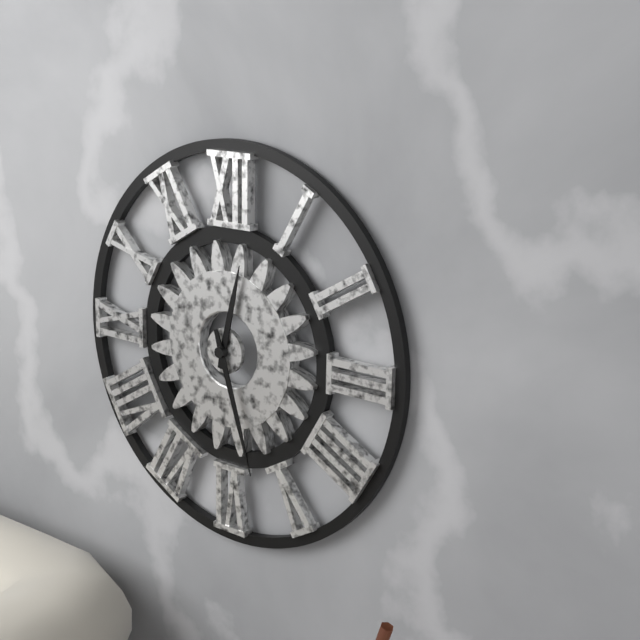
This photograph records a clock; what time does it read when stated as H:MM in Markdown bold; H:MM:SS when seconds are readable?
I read **12:27**
